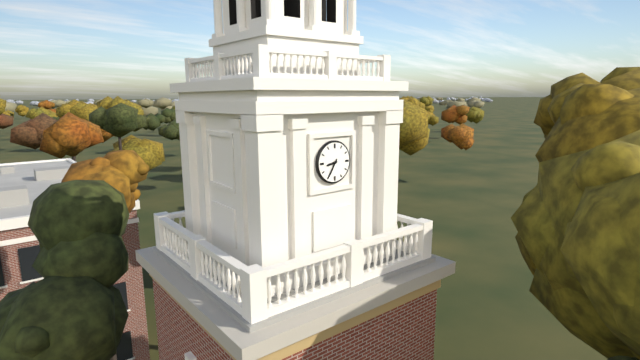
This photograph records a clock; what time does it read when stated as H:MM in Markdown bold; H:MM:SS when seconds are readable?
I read **8:35**
